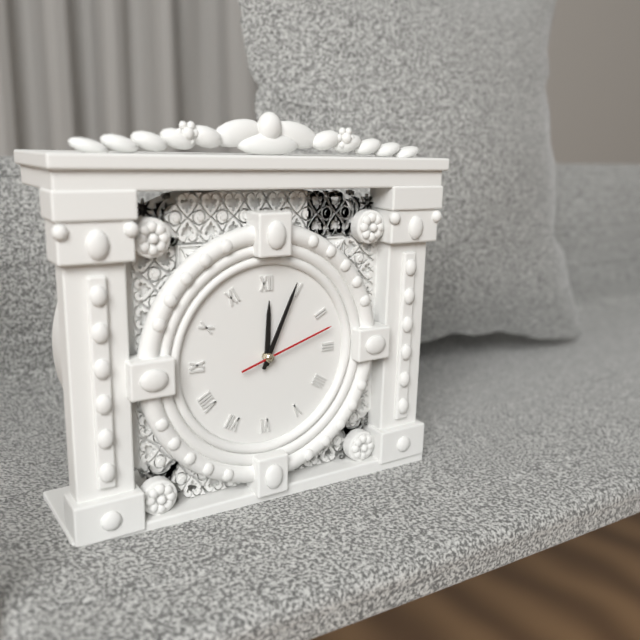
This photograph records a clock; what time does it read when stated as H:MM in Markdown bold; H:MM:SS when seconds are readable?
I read **12:04:12**
